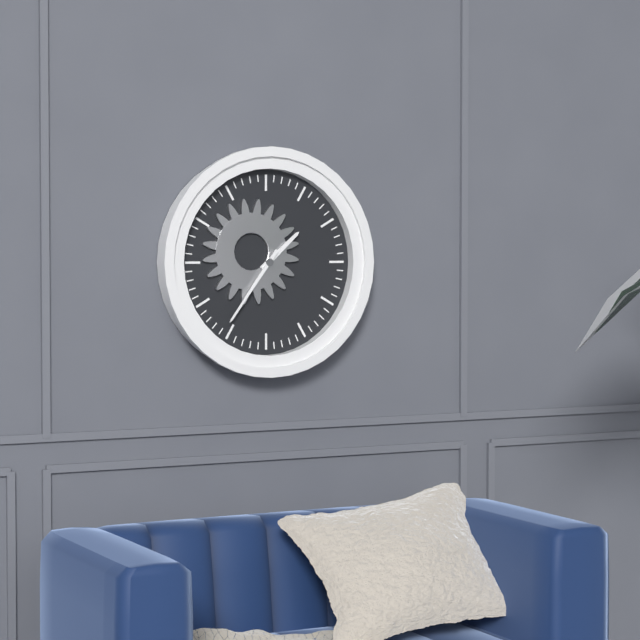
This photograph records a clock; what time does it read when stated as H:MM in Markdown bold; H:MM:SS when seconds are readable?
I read **1:36**
